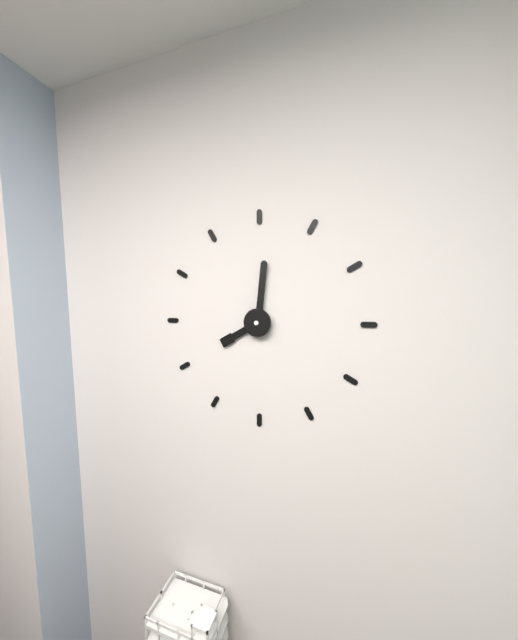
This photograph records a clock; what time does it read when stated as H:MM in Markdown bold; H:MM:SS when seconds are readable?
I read **8:01**
